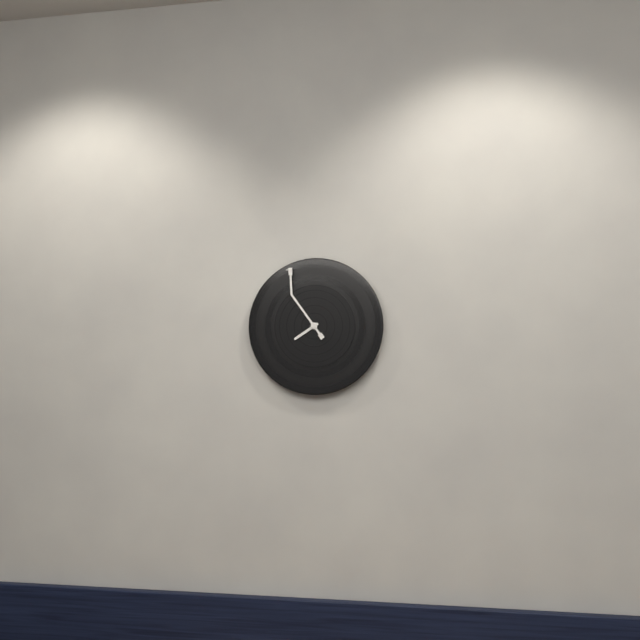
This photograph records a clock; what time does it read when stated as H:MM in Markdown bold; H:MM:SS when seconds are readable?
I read **7:54**
